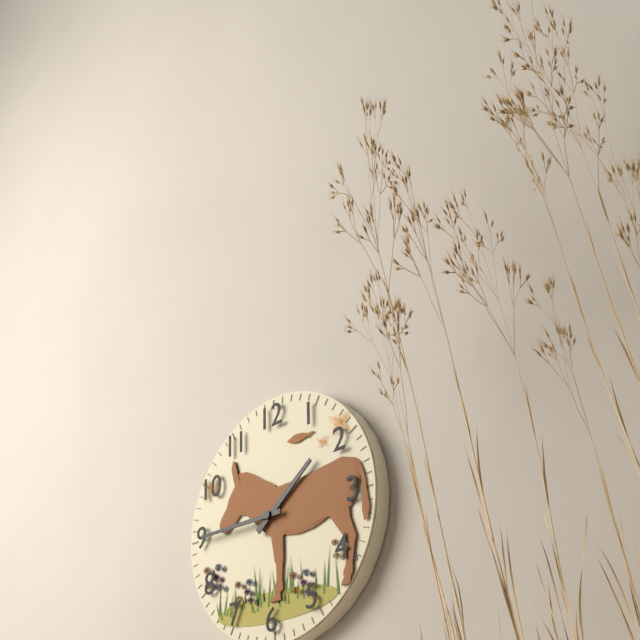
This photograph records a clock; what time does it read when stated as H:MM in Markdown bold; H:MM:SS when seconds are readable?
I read **1:45**
